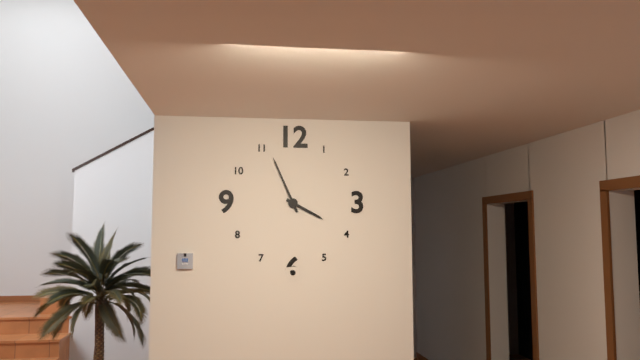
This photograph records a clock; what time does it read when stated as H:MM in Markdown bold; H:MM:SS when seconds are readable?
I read **3:56**
